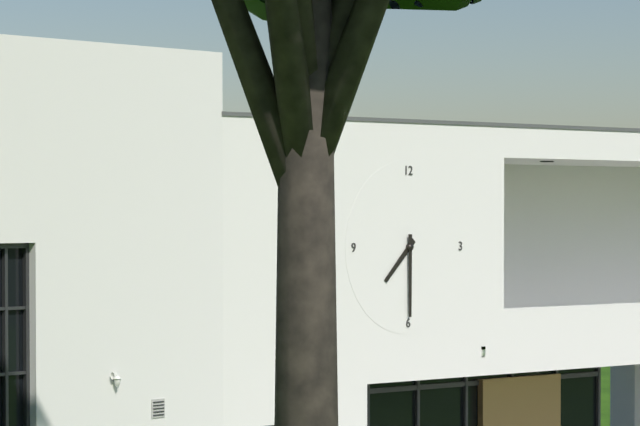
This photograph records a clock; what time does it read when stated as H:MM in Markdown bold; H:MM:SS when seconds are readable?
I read **7:30**
